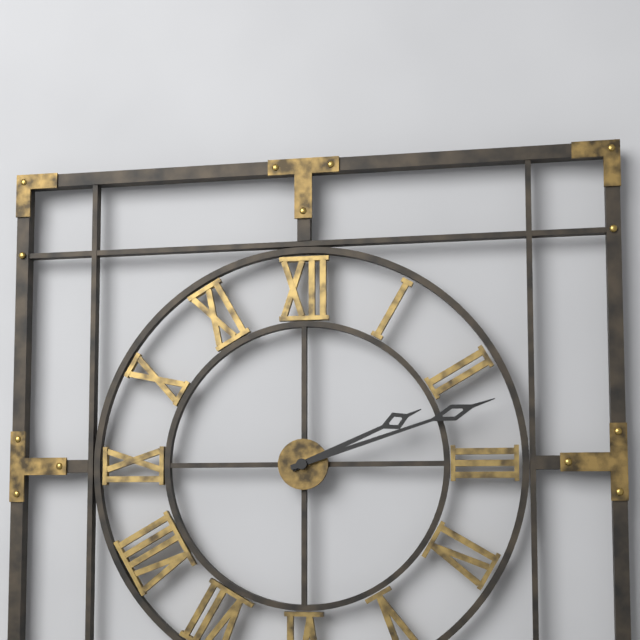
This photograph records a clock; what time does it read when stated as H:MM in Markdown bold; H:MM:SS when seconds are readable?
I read **2:12**
